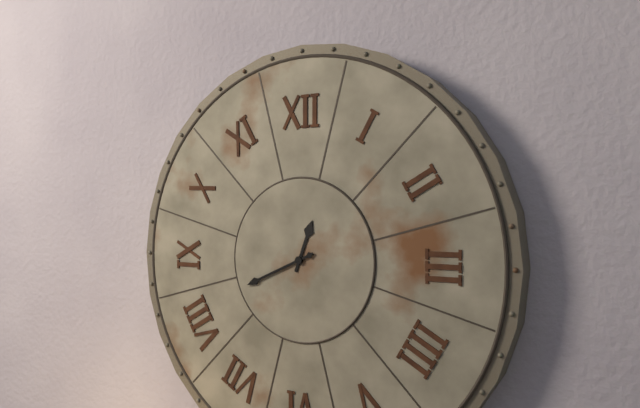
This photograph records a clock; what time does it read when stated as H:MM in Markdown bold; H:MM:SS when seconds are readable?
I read **12:41**
